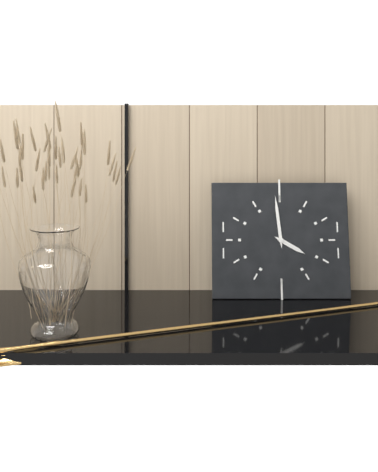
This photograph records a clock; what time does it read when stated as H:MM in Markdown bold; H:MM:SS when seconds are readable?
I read **3:59**
